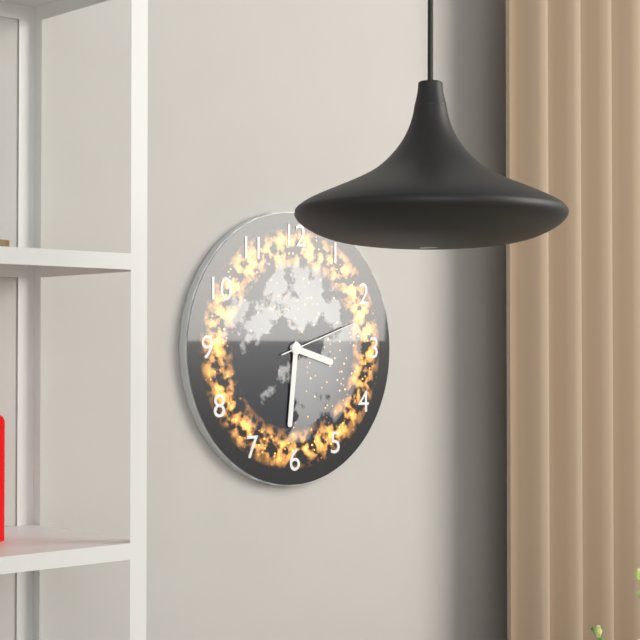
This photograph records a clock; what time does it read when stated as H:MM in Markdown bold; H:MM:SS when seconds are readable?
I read **3:31:12**
